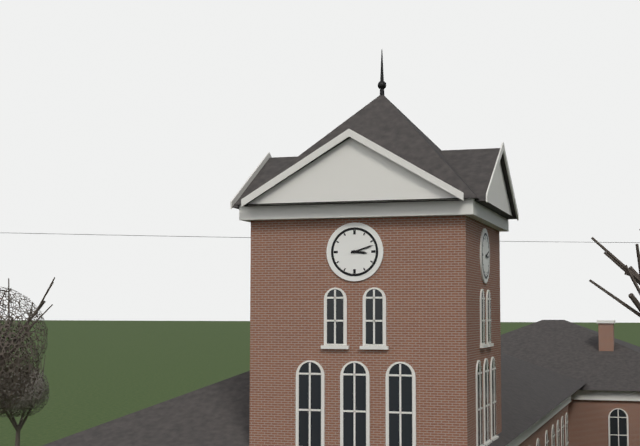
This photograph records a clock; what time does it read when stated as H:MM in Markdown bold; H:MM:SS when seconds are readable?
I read **3:12**
